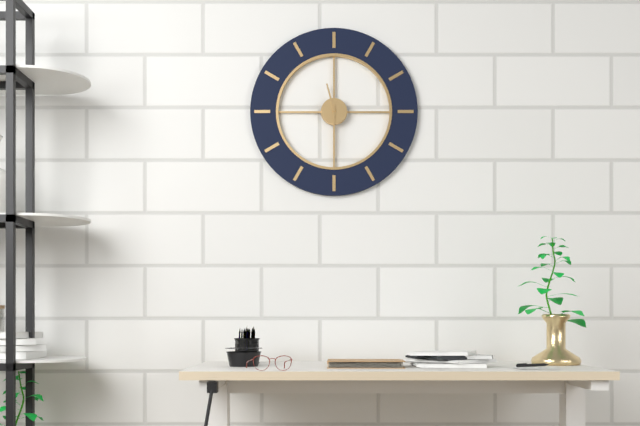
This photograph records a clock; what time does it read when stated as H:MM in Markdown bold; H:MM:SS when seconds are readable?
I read **11:30**
